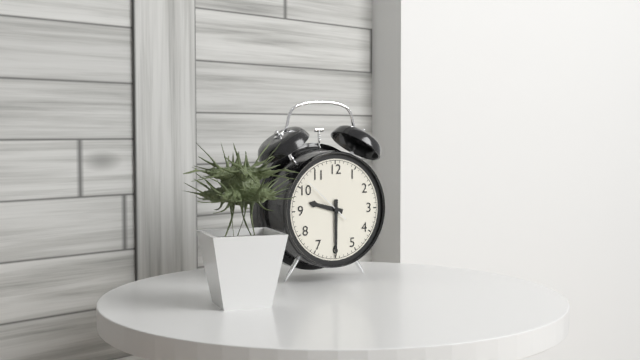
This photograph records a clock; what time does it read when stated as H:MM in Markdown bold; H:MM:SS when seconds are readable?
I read **9:30:52**
